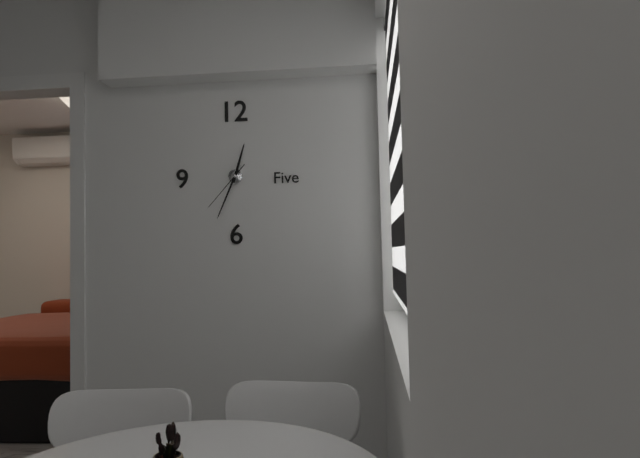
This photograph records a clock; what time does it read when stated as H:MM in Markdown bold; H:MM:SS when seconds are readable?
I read **12:34:37**
